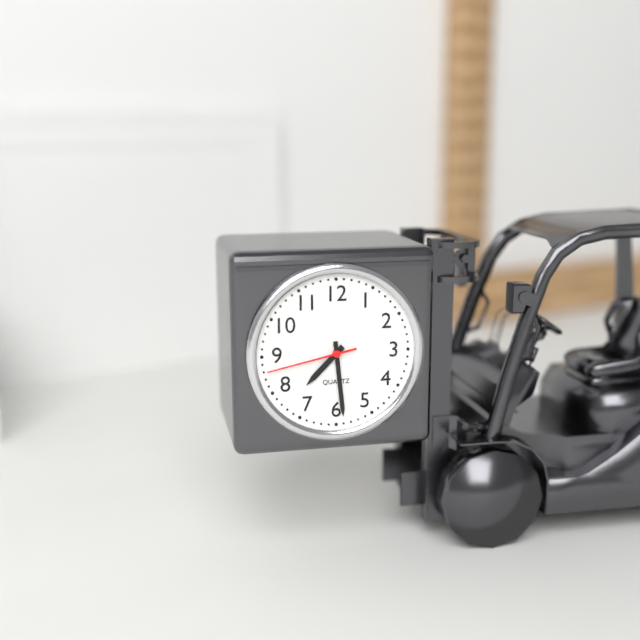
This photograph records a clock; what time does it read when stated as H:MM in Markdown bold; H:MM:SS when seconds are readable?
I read **7:29:43**
